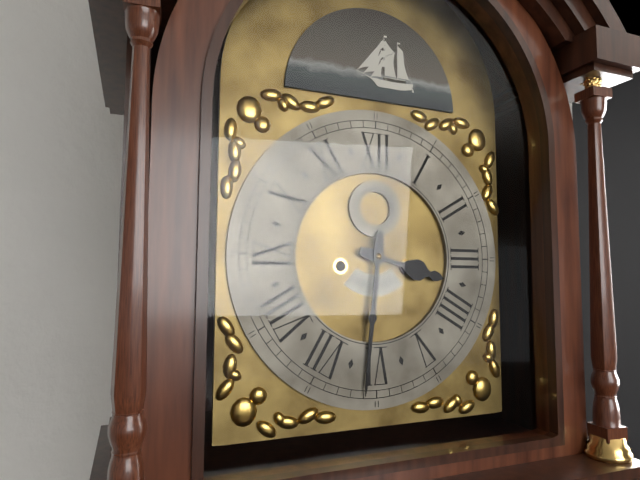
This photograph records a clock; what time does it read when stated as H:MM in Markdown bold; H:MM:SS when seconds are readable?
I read **3:31**
